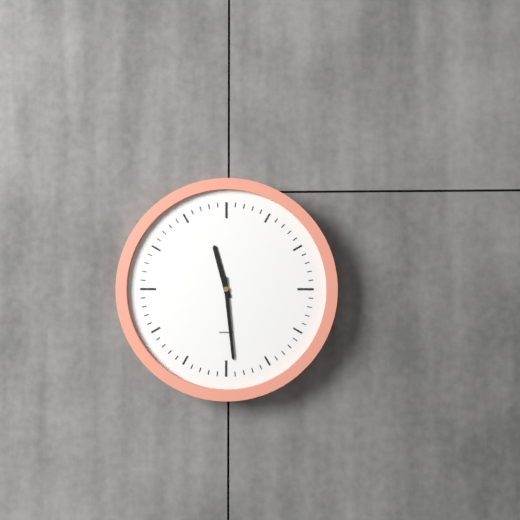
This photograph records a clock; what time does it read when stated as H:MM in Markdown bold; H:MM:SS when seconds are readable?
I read **11:29**
